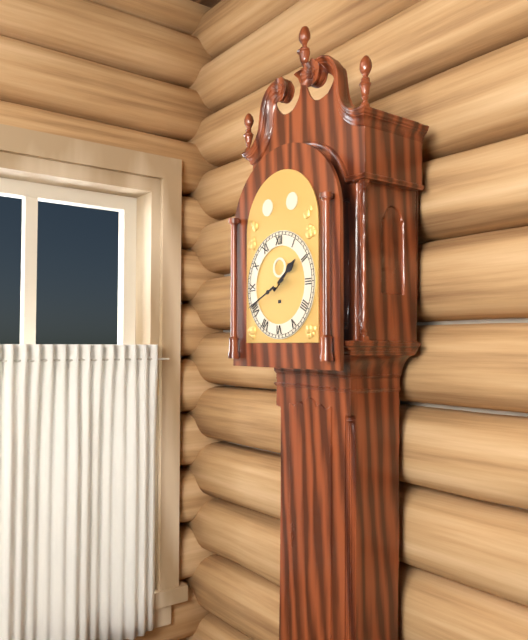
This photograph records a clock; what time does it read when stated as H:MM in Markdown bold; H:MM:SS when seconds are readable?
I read **1:41**
